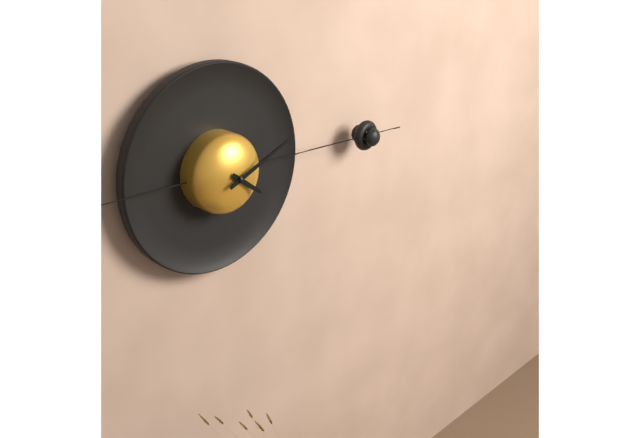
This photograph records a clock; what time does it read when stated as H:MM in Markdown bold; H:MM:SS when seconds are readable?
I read **4:11**
